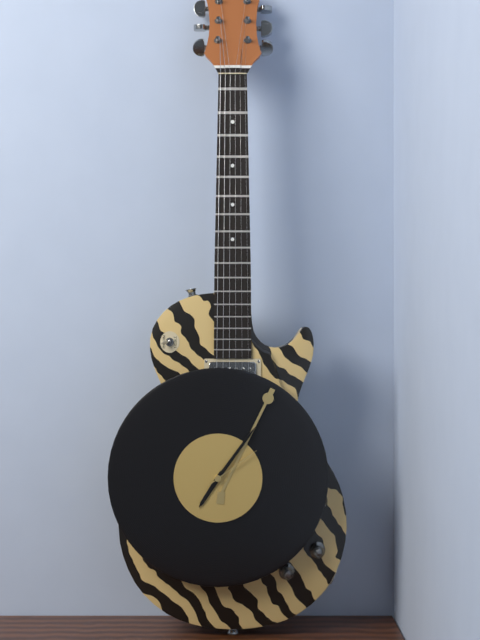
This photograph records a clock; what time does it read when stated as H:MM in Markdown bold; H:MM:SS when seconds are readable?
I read **7:06:09**
